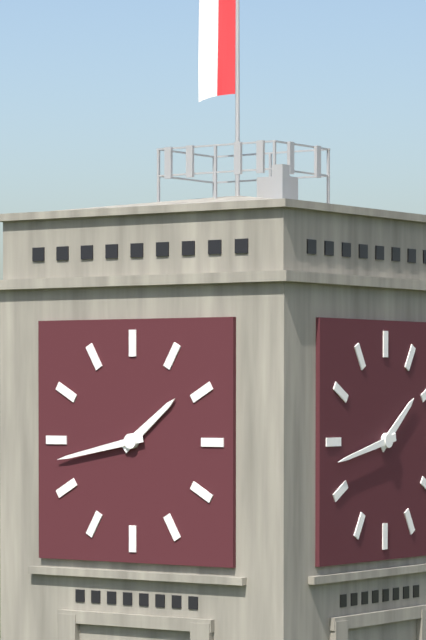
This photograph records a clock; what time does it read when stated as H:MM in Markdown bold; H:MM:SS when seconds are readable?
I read **1:43**
